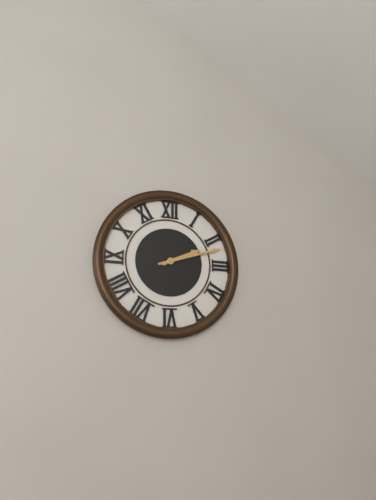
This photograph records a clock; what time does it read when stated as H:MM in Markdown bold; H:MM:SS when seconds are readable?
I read **2:12**
